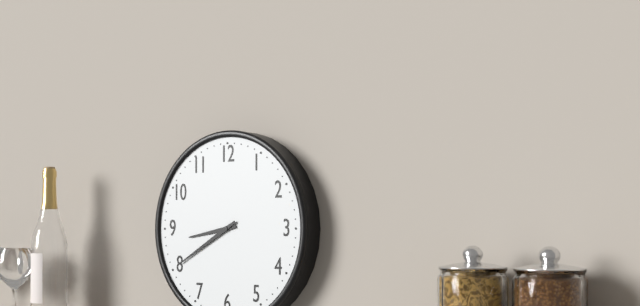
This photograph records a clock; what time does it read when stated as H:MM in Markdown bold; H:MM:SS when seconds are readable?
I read **8:40**
